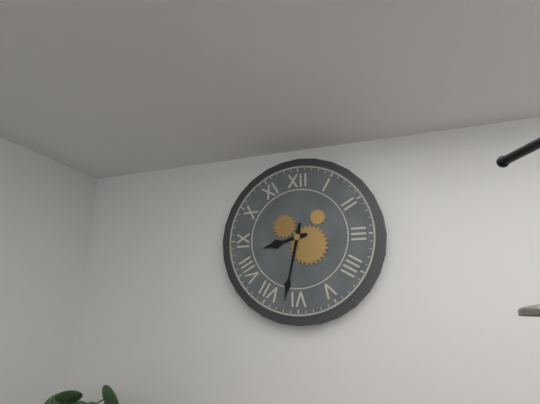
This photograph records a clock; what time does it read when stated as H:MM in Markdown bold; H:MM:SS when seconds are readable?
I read **8:32**
